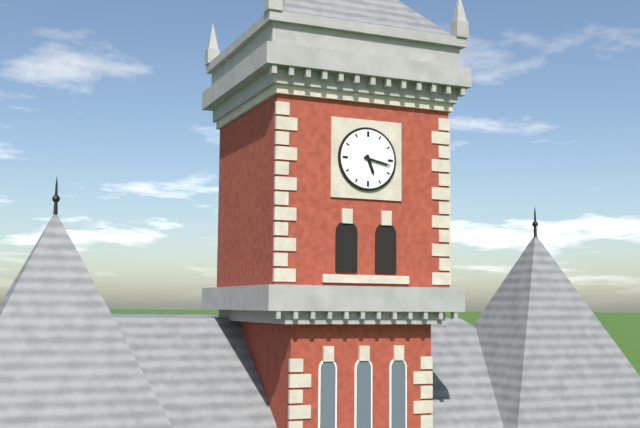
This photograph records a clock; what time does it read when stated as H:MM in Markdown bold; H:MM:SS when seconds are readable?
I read **5:17**
